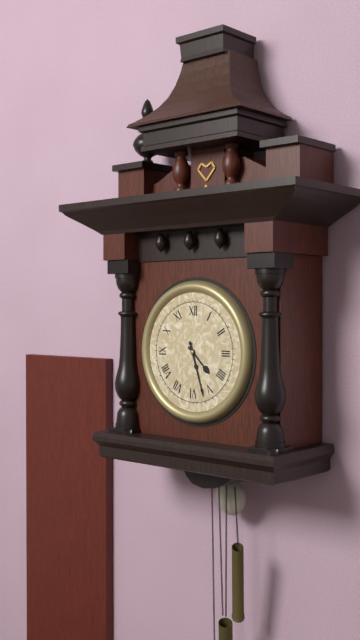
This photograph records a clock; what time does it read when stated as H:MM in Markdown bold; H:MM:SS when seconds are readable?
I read **4:27**
